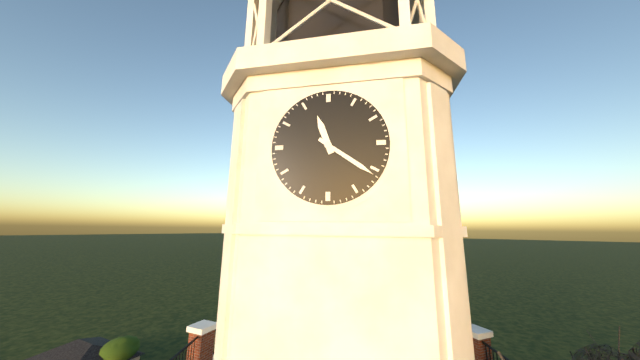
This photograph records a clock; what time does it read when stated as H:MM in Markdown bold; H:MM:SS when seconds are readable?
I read **11:21**
